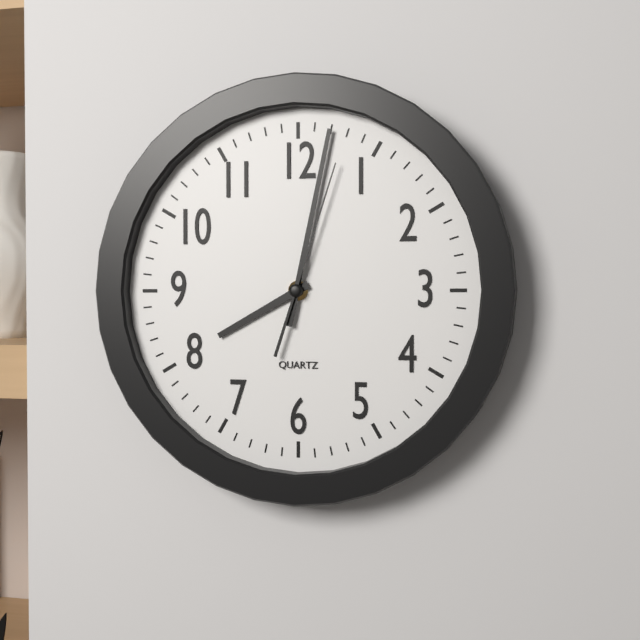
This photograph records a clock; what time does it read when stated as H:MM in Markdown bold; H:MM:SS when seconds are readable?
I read **8:02:03**
